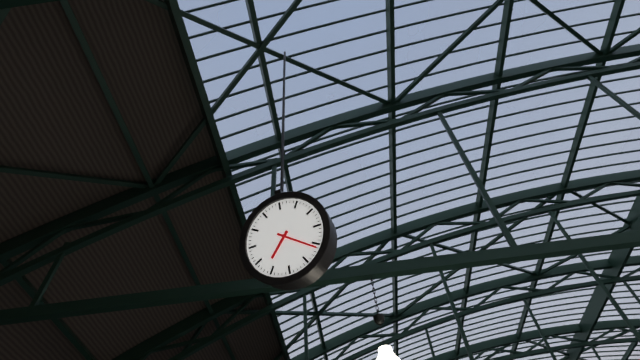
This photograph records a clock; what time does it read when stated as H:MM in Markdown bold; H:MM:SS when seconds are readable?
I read **7:21**
